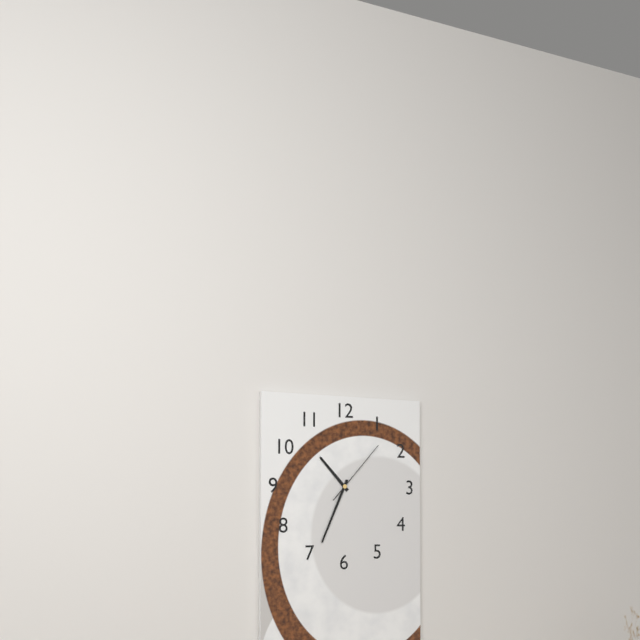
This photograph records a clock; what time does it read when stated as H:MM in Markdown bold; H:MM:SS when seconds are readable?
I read **10:34:07**
